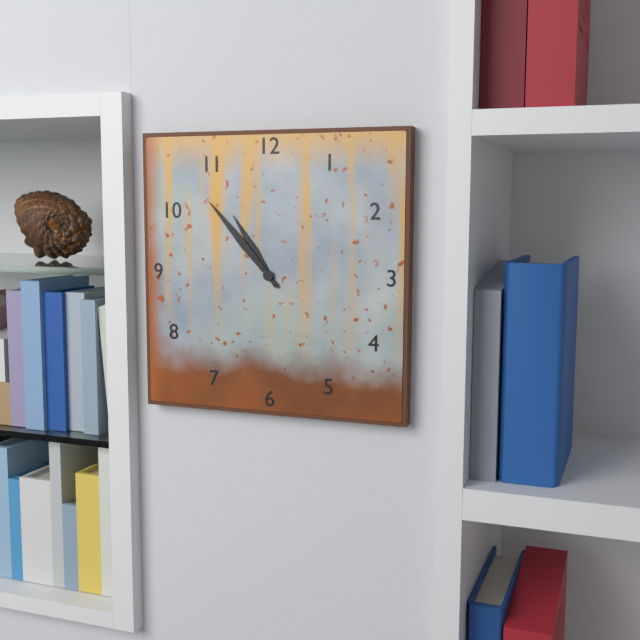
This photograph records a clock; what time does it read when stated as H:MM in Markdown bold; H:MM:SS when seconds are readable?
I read **10:53**
